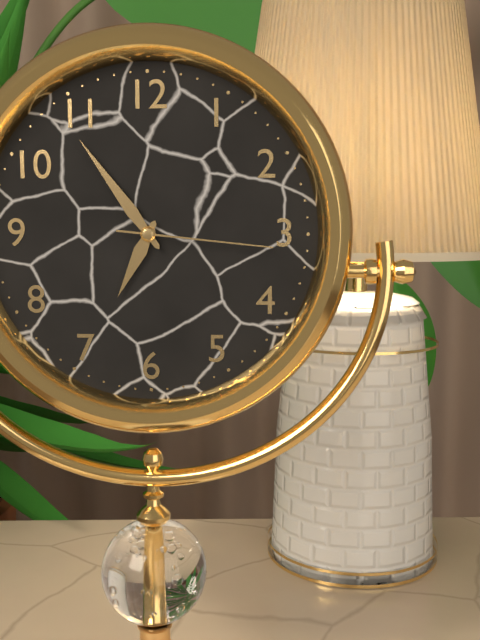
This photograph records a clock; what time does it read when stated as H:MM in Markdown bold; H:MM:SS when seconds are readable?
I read **6:54:16**
